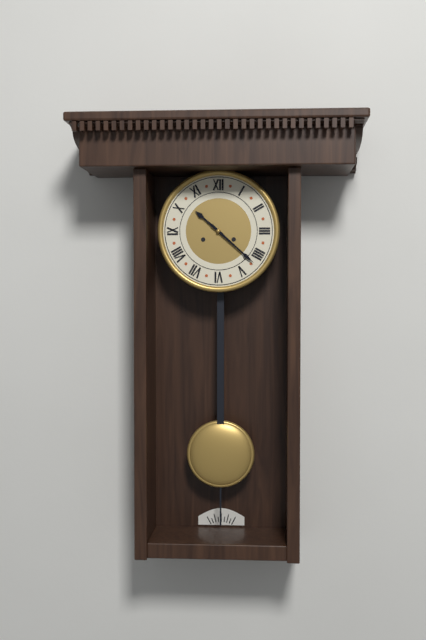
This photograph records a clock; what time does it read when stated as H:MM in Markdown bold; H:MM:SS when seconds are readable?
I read **10:22**
